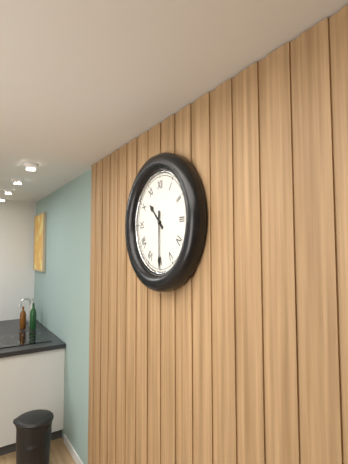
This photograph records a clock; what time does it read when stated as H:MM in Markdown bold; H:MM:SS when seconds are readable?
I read **10:30**
